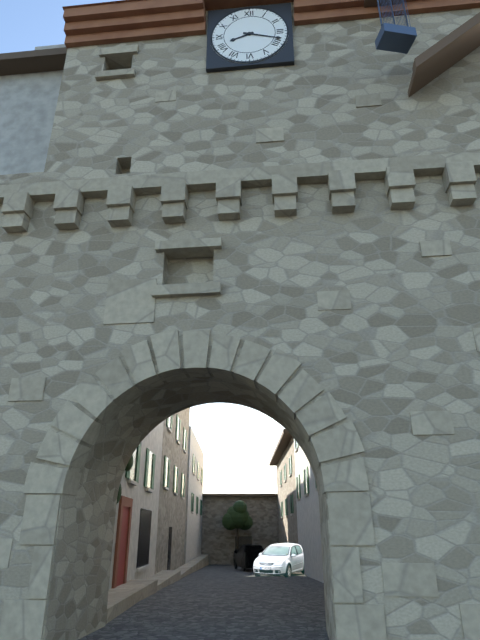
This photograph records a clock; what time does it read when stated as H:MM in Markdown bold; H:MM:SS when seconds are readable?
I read **8:18**
